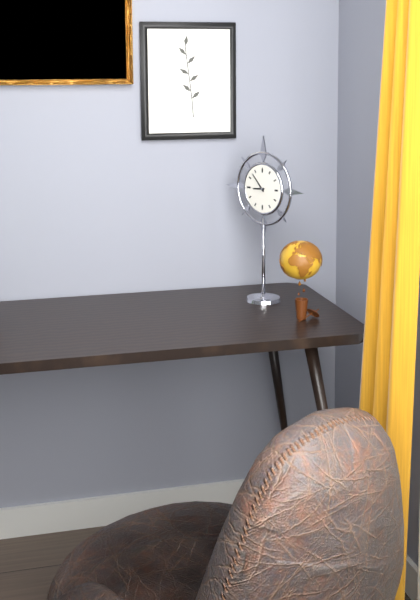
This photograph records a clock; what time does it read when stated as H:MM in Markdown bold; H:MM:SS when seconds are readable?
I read **8:53**
